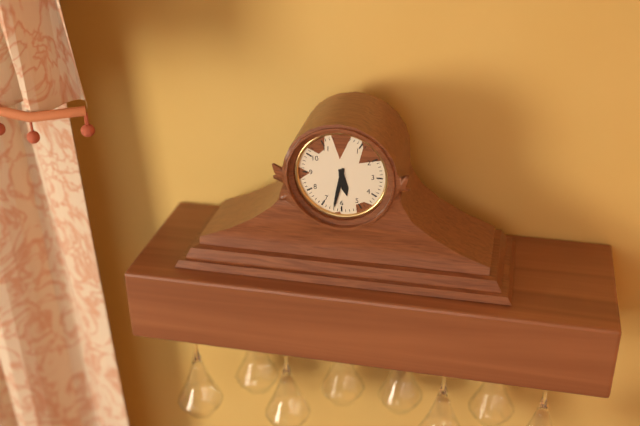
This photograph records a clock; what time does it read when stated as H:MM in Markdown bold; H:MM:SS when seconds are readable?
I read **5:32**
